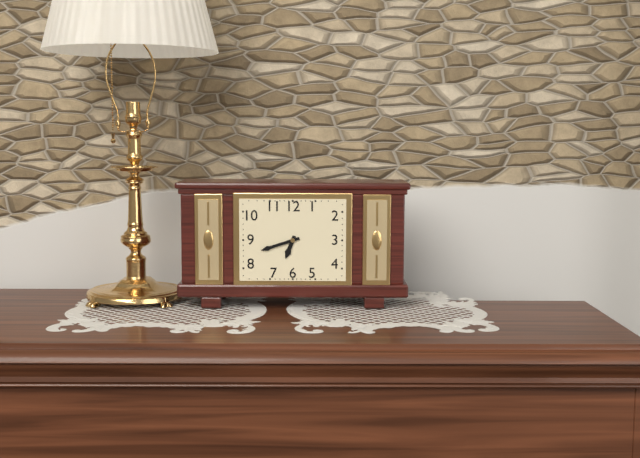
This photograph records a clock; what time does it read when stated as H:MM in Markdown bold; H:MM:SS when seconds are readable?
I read **6:42**
